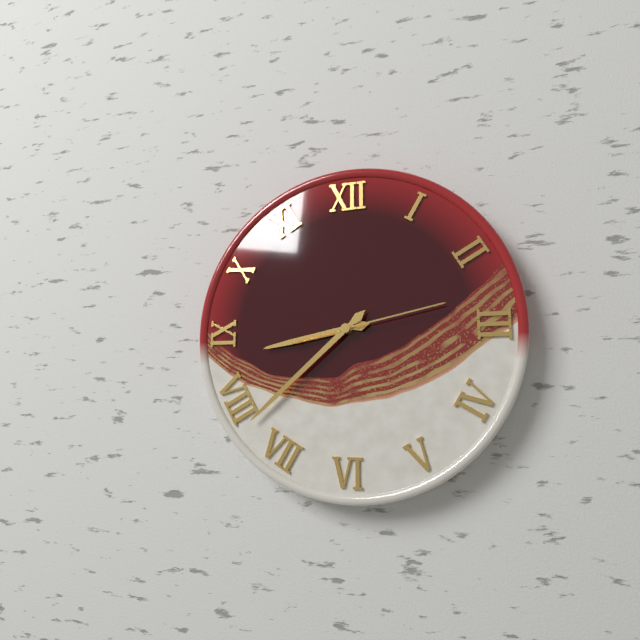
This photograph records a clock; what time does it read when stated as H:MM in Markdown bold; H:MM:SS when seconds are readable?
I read **8:38:13**
